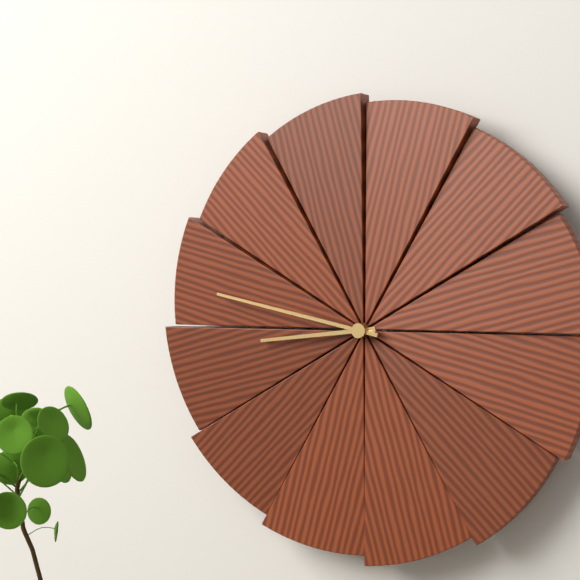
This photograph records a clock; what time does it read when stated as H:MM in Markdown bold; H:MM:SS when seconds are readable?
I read **8:47**
